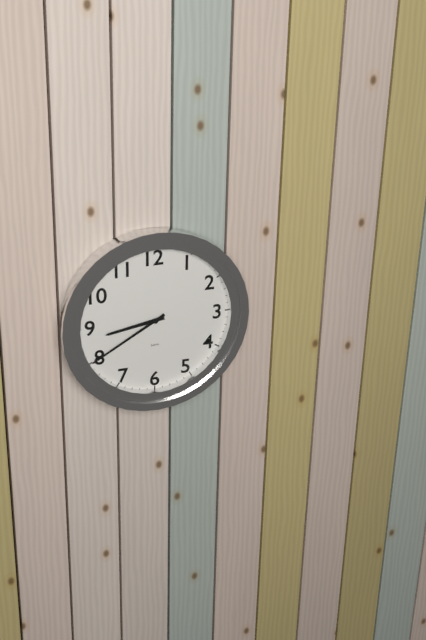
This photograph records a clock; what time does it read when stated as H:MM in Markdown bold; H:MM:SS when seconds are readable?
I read **8:40**
